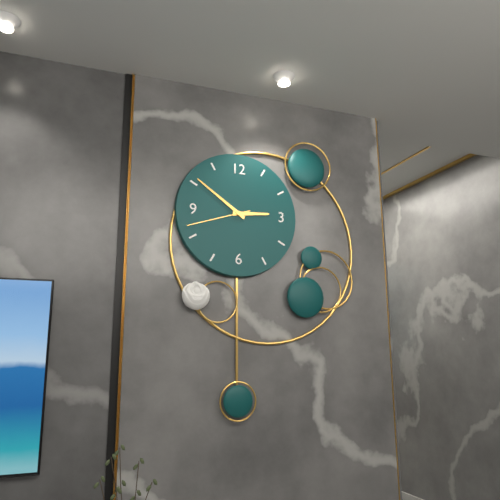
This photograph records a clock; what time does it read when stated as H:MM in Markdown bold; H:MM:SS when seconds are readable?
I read **2:51:42**
